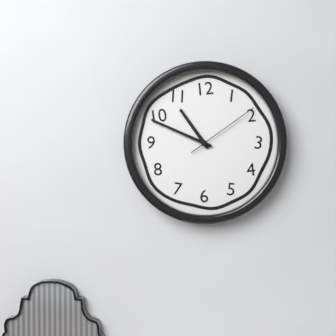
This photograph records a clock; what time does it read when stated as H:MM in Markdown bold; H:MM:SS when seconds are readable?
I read **10:49:09**
